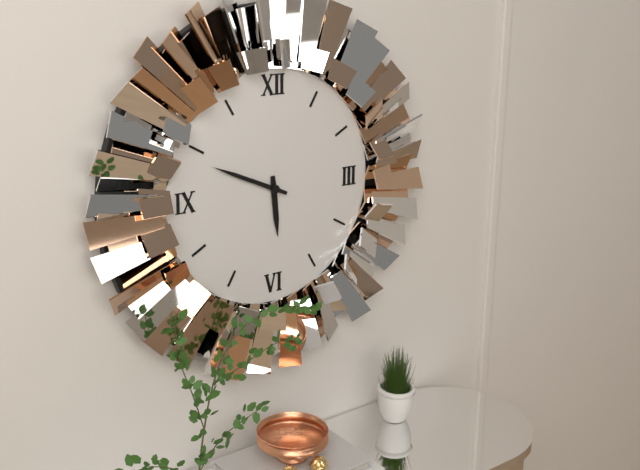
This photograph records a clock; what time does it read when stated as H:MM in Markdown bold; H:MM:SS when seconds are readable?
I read **5:49**
